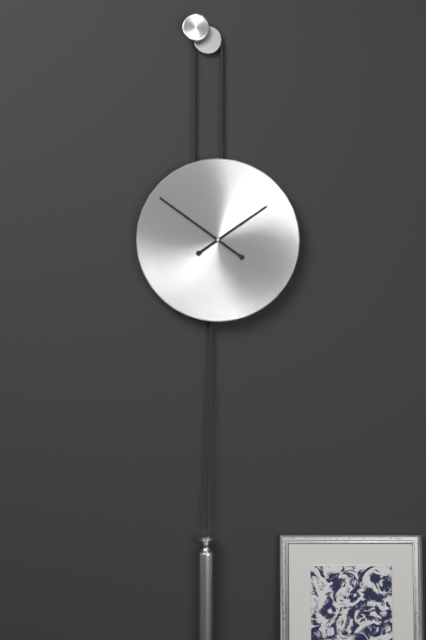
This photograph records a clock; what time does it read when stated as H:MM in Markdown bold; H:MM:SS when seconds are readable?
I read **1:51**
